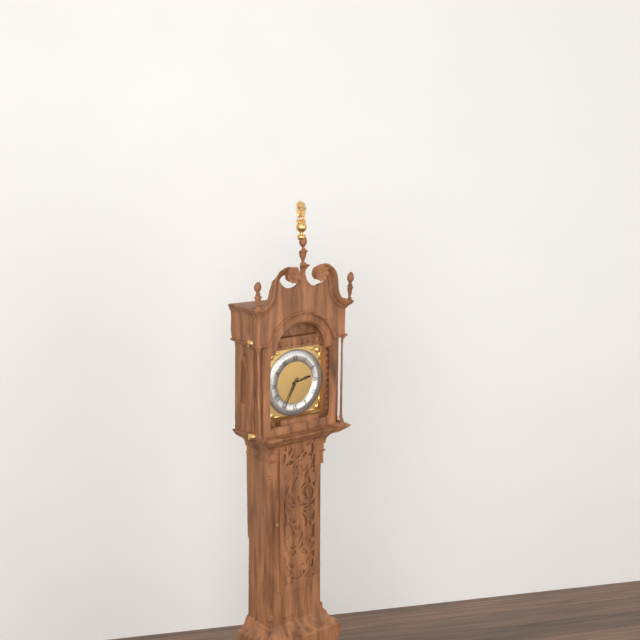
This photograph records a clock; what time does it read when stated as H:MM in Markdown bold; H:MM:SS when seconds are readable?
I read **2:35**
